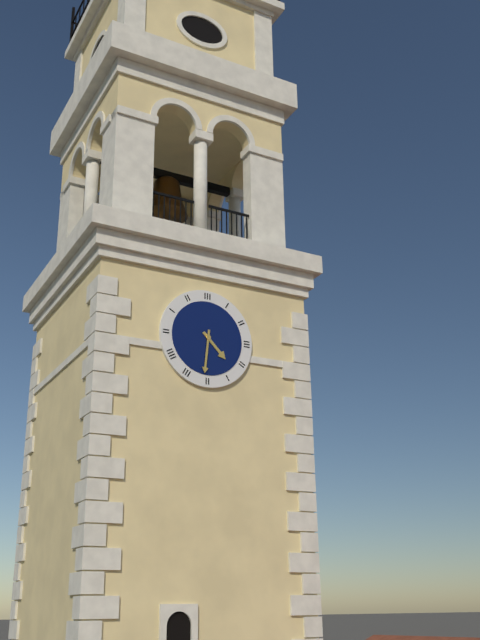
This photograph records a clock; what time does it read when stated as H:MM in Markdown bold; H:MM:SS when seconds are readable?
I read **4:31**
